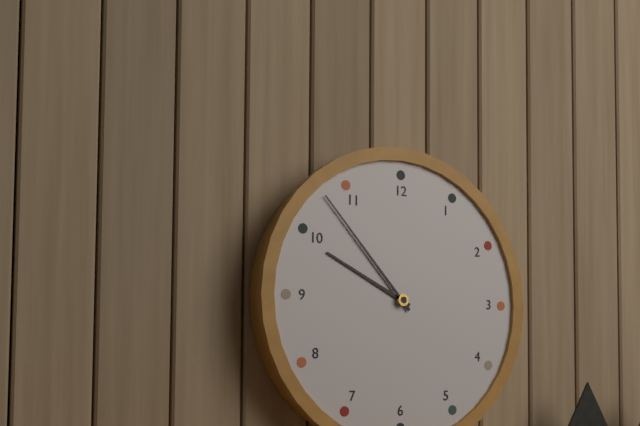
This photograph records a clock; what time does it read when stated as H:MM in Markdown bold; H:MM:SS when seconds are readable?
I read **9:53**
